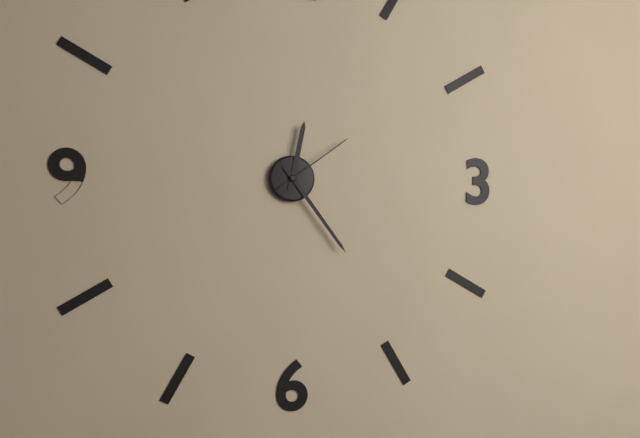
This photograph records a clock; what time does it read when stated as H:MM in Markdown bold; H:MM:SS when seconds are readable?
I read **12:24:09**
